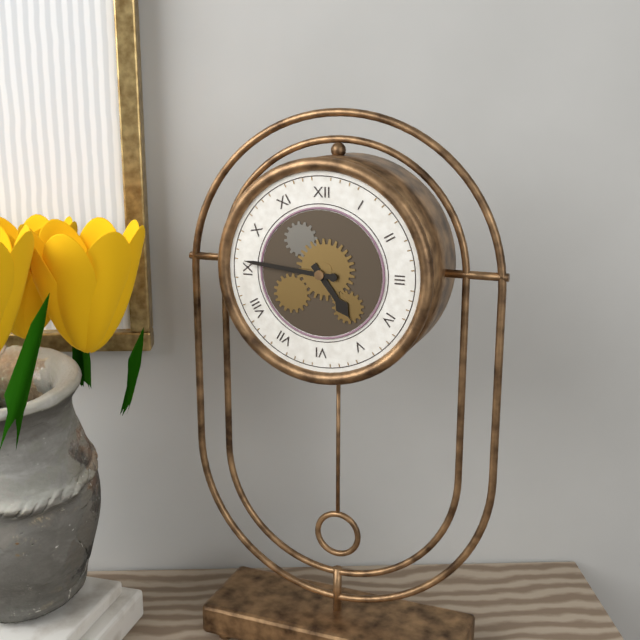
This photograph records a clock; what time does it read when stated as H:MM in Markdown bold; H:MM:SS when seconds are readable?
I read **4:46**
